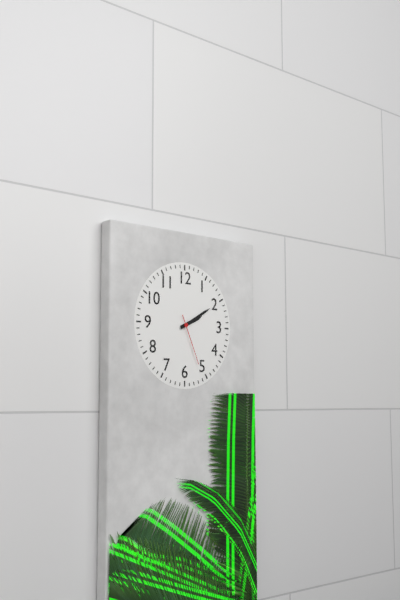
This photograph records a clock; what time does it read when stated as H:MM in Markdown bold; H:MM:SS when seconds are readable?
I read **2:10:26**
